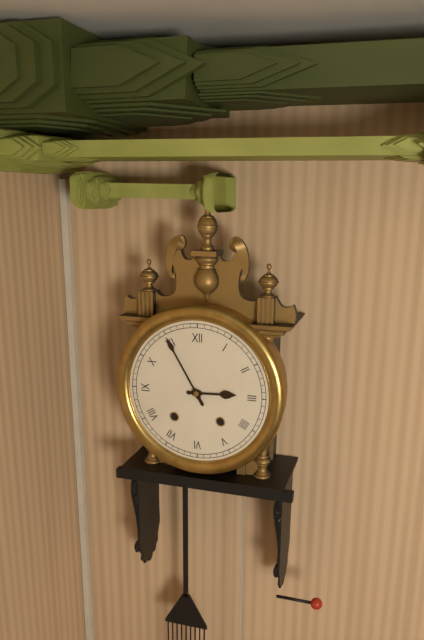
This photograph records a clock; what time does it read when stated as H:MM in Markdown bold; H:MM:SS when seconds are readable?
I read **2:55**
